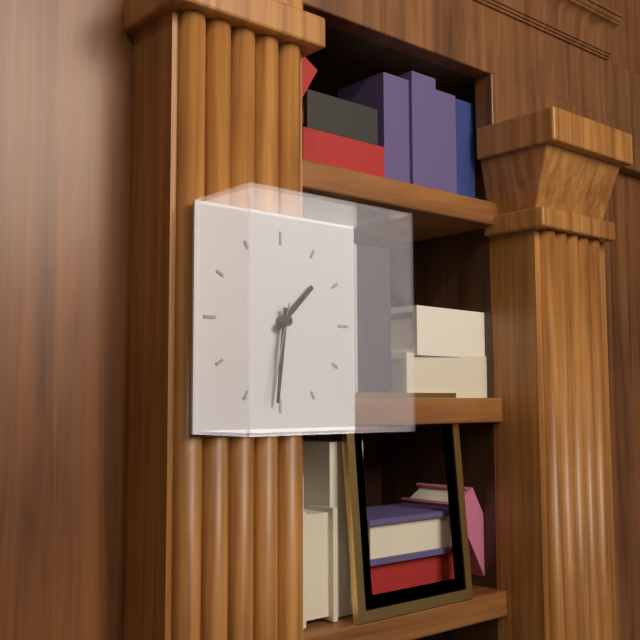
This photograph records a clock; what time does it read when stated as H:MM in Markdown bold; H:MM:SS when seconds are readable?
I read **1:31:32**
